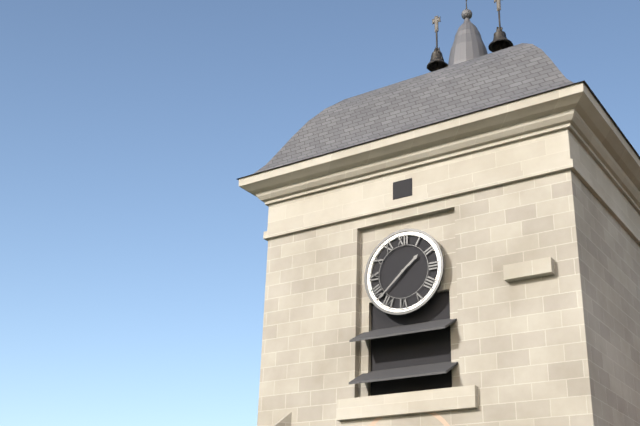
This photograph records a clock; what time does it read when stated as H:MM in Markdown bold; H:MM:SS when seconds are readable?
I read **1:38**
